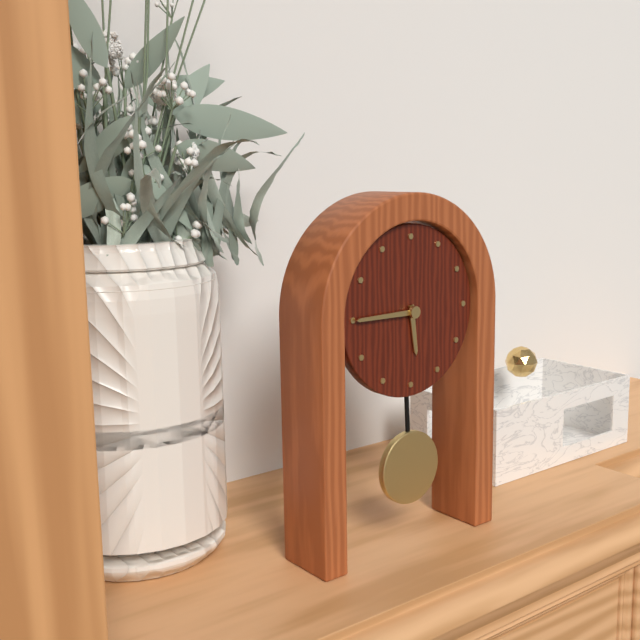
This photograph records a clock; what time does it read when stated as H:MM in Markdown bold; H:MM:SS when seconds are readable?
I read **5:45**
